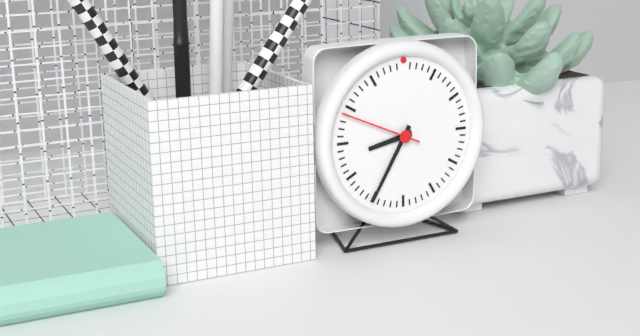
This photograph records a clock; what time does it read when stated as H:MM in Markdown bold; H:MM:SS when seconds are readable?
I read **8:35:49**
